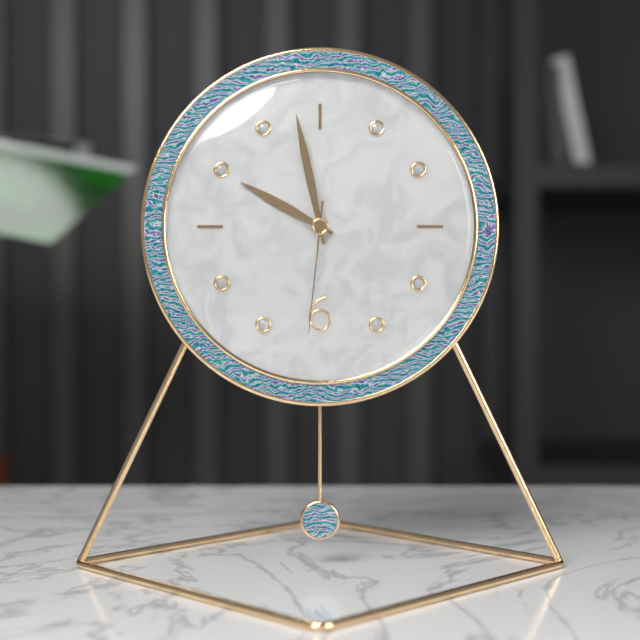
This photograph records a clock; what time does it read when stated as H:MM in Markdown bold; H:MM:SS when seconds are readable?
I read **9:58:31**
